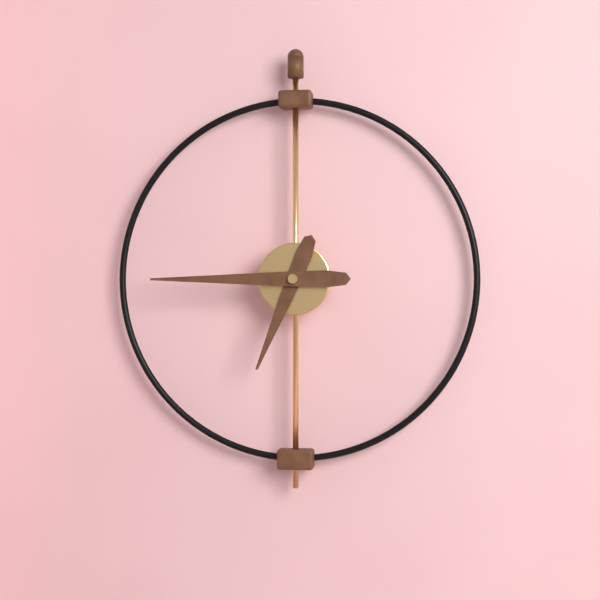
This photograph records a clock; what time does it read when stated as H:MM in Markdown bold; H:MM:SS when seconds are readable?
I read **6:45**
